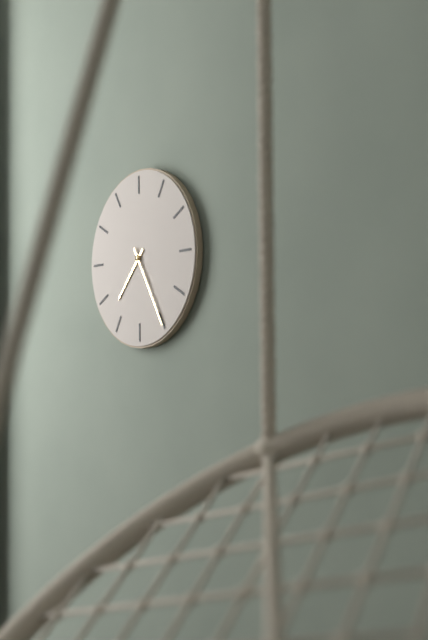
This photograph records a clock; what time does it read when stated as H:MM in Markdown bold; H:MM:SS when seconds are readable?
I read **7:25**
